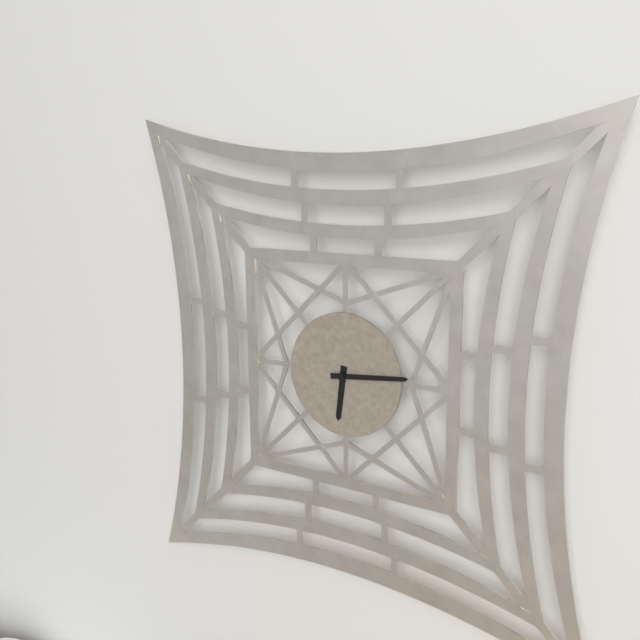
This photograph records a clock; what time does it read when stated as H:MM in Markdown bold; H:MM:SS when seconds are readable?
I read **6:14**
